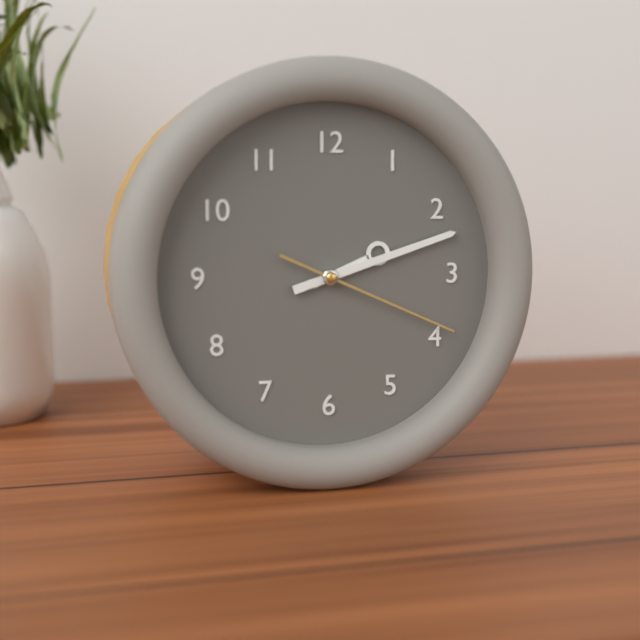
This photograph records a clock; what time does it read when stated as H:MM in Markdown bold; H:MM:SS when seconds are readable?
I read **2:12:19**
